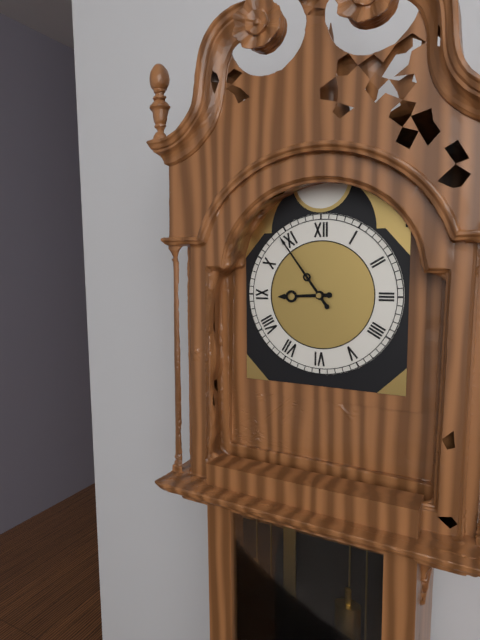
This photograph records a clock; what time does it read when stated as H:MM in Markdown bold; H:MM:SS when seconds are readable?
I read **8:54**
